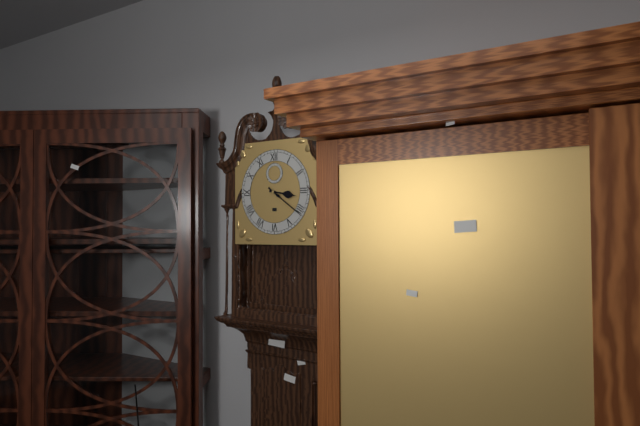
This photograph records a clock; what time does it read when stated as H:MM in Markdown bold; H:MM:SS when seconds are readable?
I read **3:21**
